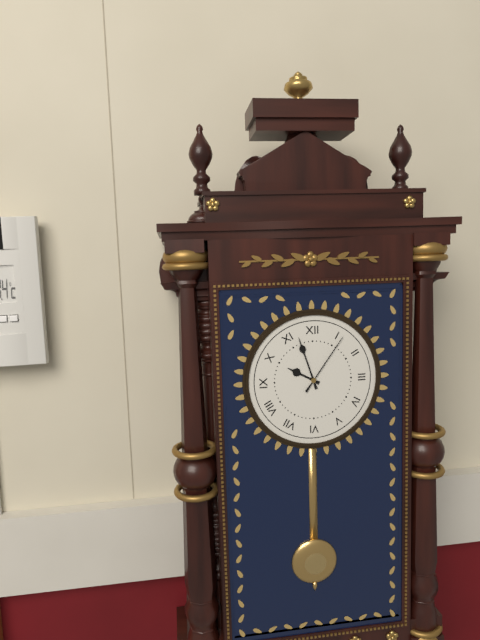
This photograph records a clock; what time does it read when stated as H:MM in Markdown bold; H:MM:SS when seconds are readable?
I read **9:57:06**
